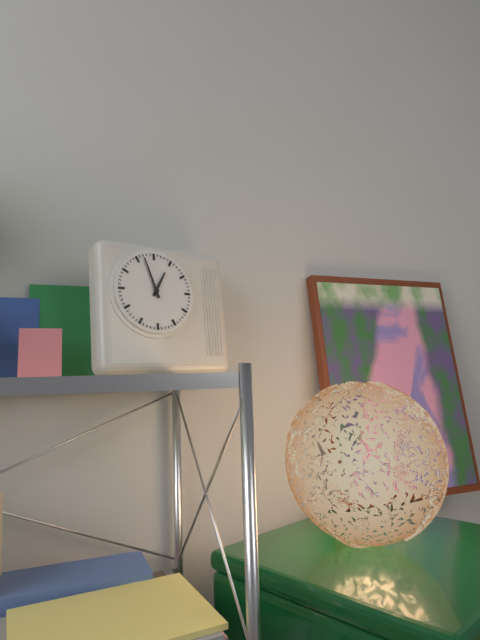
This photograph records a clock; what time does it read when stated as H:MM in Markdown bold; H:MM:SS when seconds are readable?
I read **12:57**
